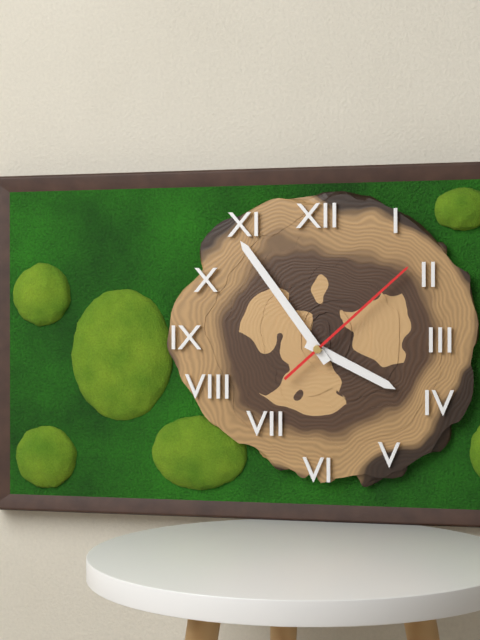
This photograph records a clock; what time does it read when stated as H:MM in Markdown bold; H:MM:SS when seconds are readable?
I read **3:54:08**
